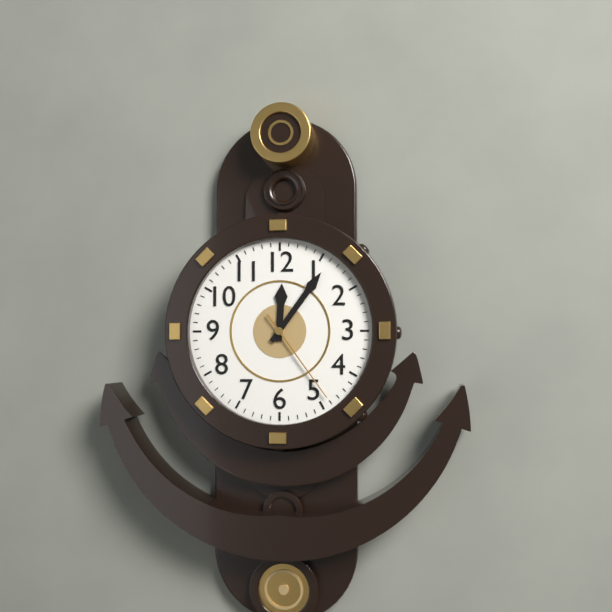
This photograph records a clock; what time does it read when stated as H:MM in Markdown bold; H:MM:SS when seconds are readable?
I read **12:06:24**
